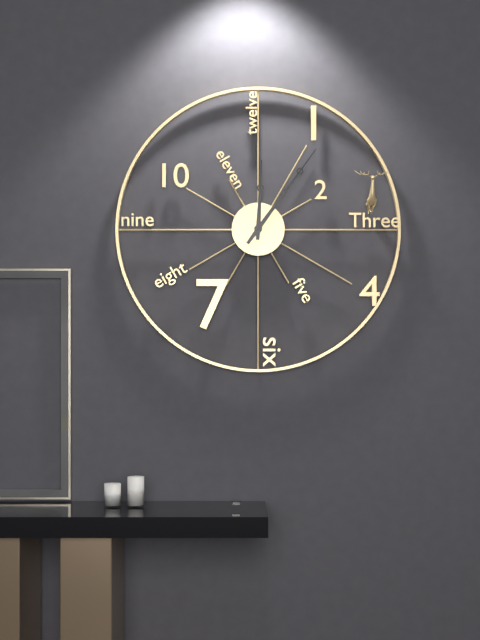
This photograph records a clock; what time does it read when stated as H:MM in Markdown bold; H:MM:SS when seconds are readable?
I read **12:06**
